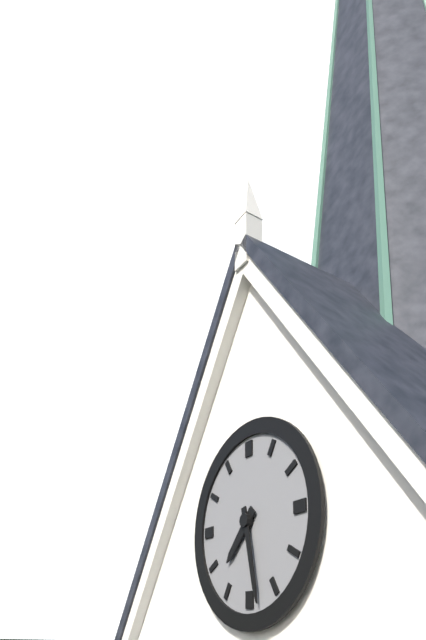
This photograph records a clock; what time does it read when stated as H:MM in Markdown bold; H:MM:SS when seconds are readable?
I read **7:28**
